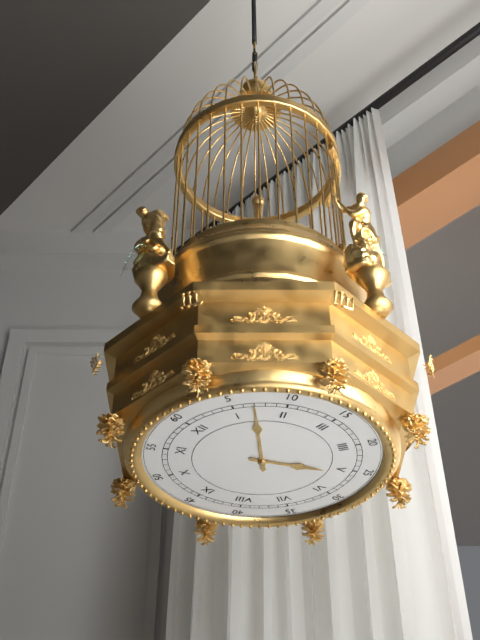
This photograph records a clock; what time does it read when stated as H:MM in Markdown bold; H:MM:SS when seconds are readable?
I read **5:07**
